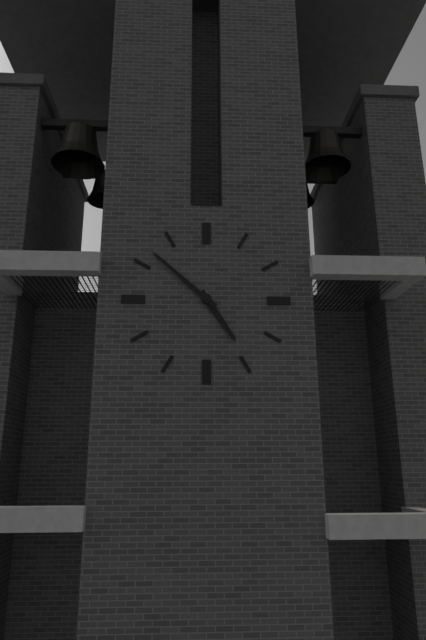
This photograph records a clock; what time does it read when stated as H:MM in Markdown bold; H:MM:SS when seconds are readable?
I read **4:52**
